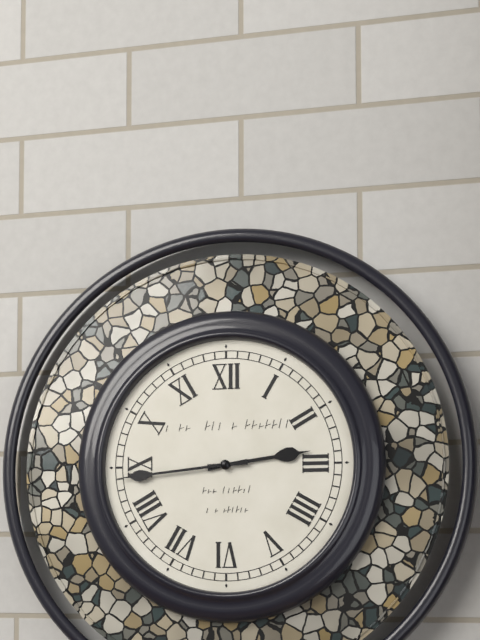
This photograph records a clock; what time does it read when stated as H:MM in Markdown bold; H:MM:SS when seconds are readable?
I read **2:44**
